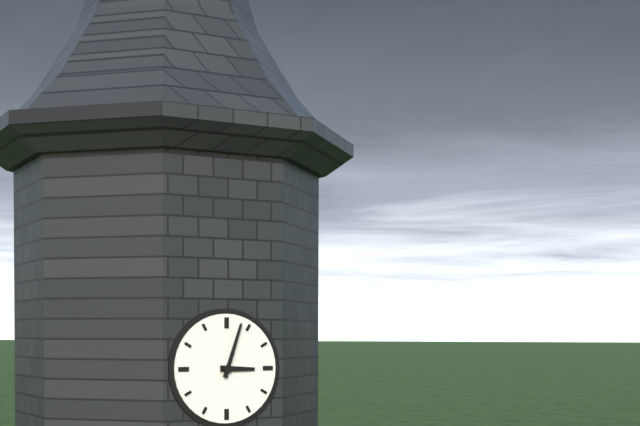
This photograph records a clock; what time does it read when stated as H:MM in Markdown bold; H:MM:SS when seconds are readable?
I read **3:03**
